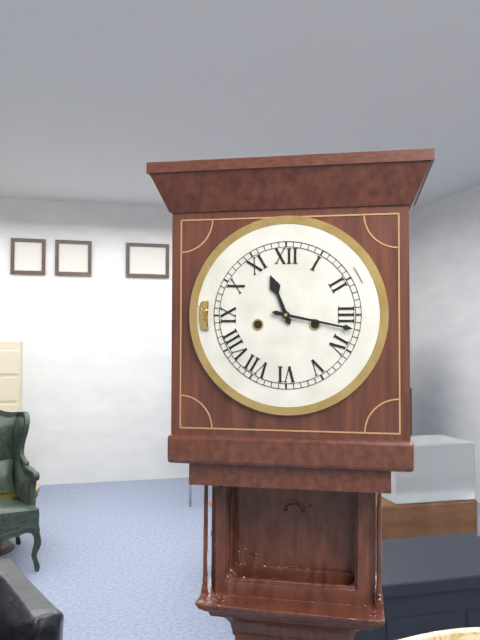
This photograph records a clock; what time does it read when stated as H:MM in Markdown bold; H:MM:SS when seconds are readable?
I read **11:17**
